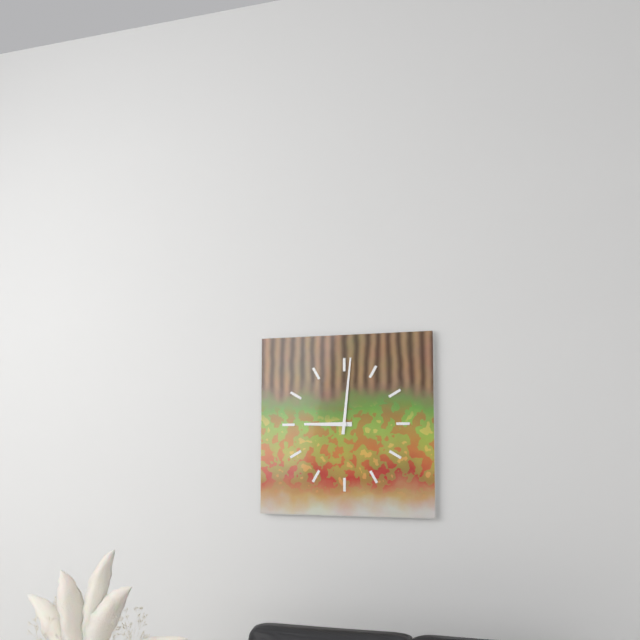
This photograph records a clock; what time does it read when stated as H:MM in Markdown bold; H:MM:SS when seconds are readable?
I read **9:01**
